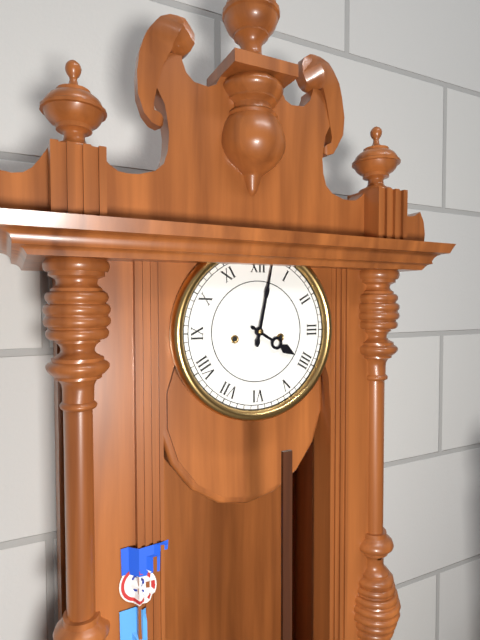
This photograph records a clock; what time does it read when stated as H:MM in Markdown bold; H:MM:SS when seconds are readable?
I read **4:02**
